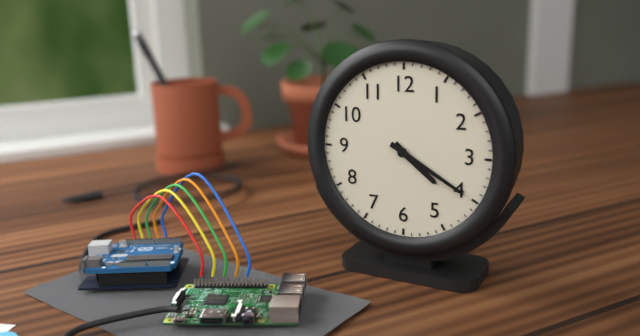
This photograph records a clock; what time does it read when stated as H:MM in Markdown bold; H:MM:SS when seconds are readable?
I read **4:20**
